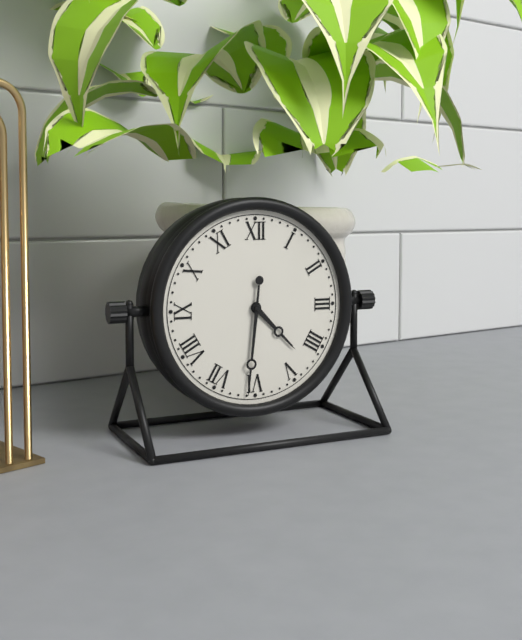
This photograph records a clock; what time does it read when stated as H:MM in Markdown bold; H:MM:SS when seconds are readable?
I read **4:31**
